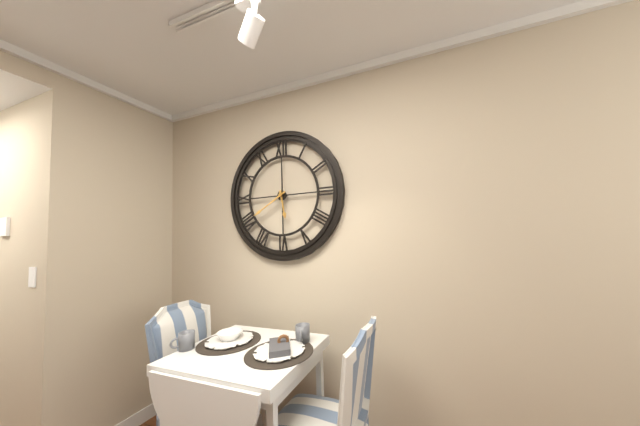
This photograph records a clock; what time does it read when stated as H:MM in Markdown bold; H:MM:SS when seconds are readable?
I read **5:40**
